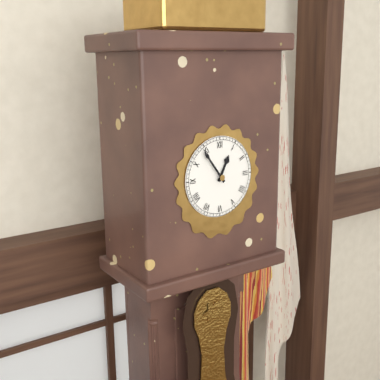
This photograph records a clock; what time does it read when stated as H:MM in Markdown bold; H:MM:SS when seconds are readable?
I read **12:54**
